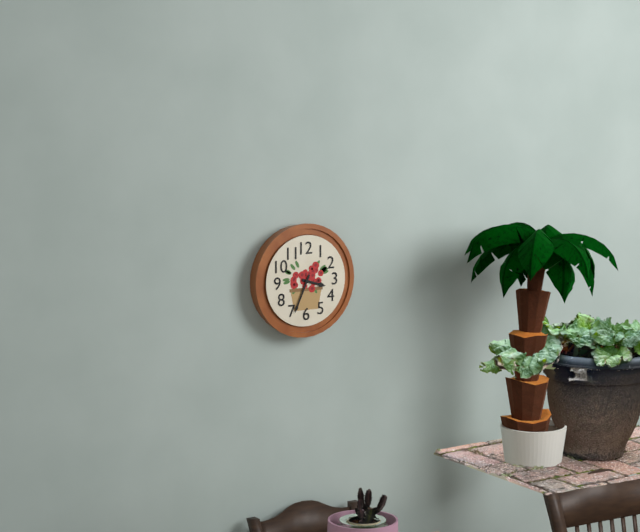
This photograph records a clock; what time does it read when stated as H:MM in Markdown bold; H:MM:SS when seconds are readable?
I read **3:34**
